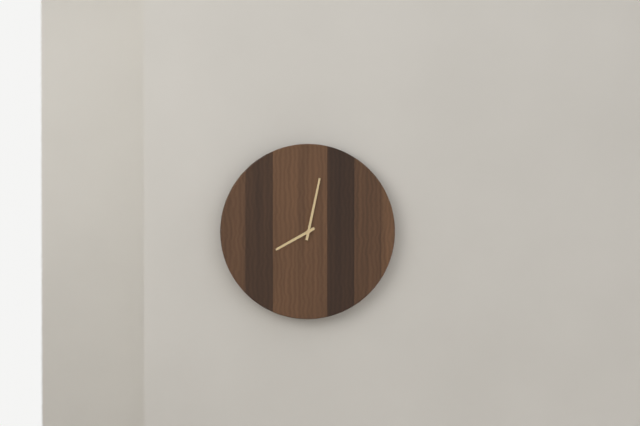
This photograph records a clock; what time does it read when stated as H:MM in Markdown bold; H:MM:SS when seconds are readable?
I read **8:02**
